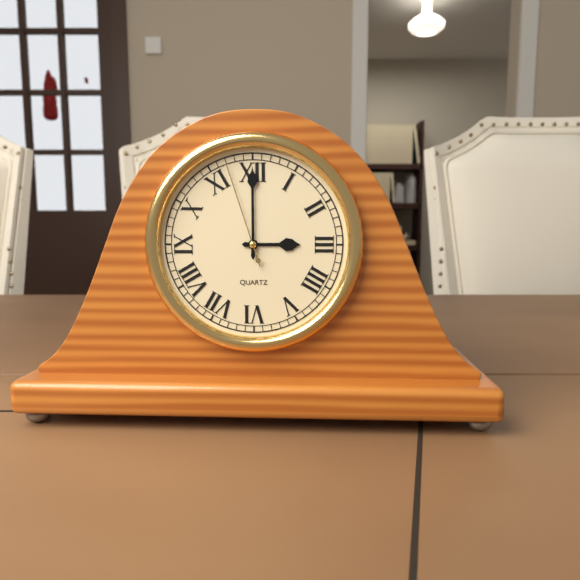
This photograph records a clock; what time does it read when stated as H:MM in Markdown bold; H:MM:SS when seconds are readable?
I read **3:00:57**
